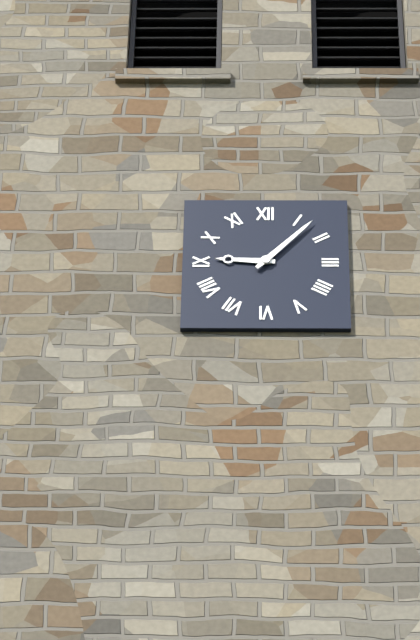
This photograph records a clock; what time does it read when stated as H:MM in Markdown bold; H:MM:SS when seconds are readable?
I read **9:07**
